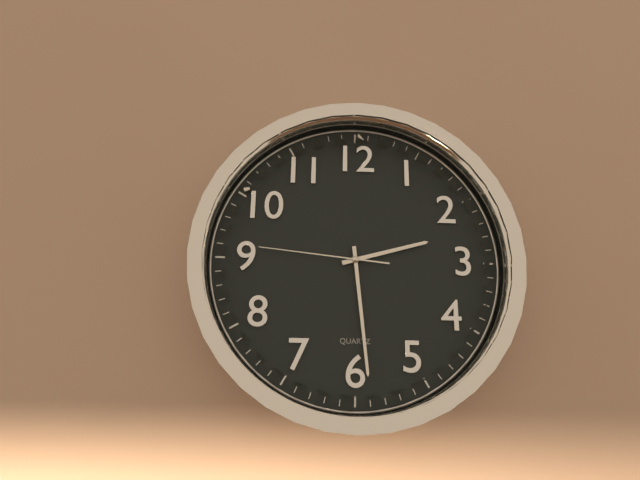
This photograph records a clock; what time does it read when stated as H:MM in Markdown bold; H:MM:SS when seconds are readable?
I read **2:29:46**
